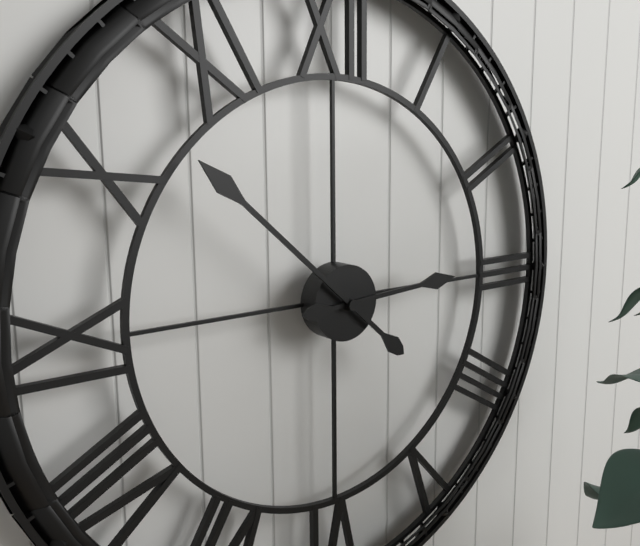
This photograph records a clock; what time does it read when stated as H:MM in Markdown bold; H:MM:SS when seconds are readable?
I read **2:52**
